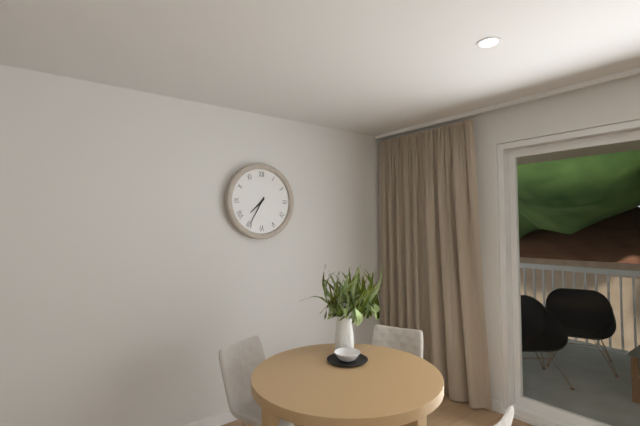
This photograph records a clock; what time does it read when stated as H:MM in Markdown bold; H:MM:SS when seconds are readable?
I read **7:35**
